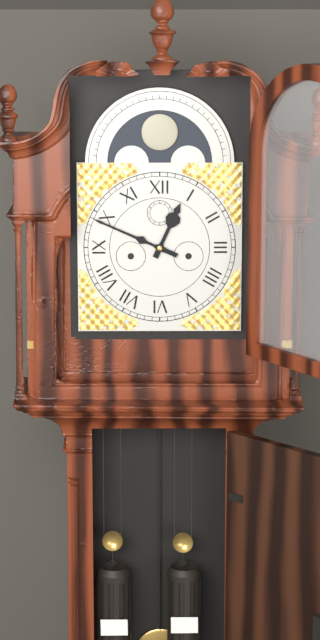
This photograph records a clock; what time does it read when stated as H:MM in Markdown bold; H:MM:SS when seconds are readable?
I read **12:49**
